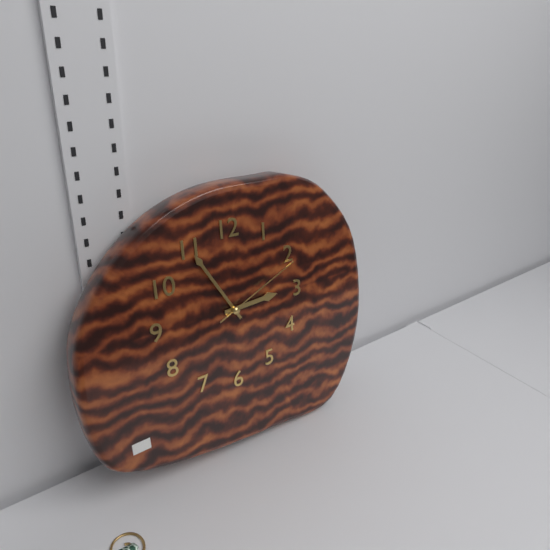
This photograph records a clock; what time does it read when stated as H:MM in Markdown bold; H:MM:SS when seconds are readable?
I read **2:55:11**
